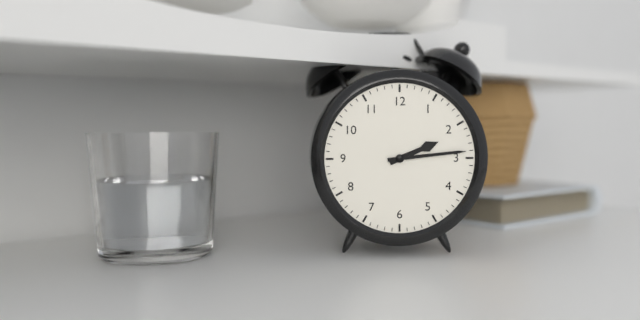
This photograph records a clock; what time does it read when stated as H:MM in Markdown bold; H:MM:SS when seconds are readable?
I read **2:14**
